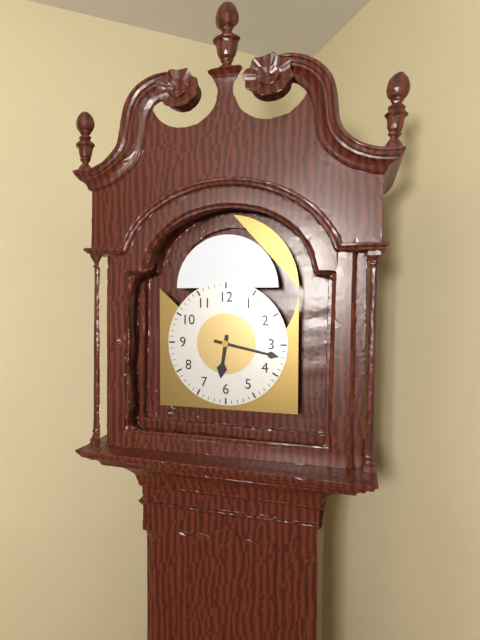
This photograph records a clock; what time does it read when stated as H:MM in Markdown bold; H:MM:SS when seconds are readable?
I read **6:17**
